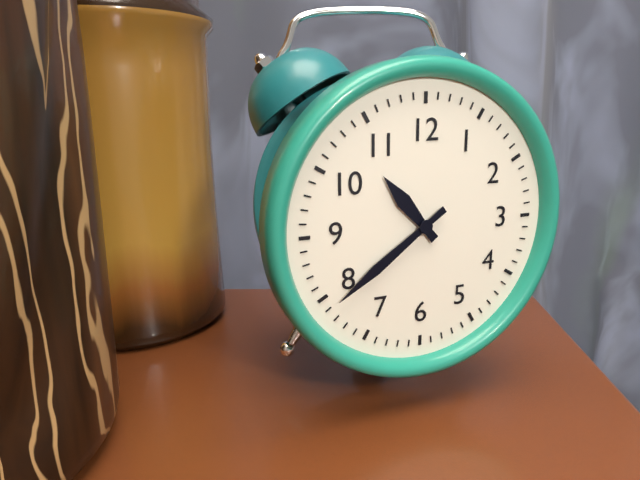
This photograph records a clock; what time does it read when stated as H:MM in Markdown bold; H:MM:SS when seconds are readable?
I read **10:39**
